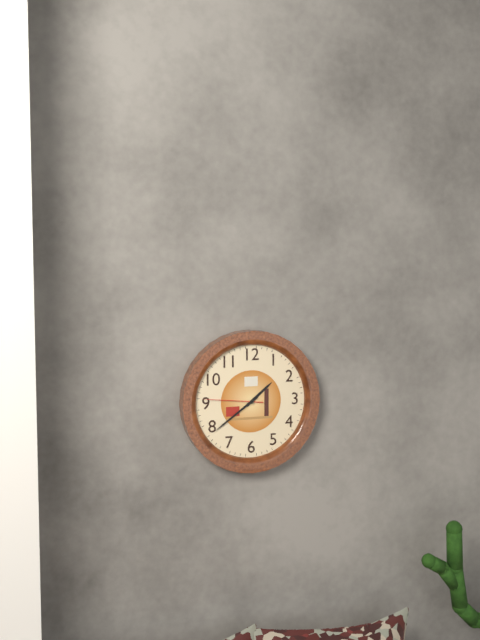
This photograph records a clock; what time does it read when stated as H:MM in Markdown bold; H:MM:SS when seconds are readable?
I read **1:39:46**
